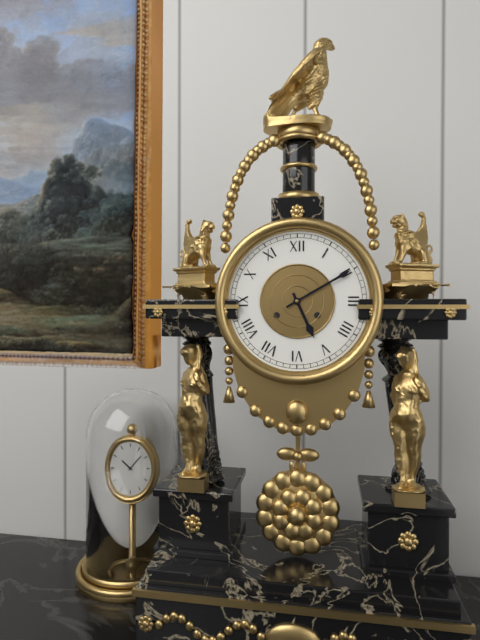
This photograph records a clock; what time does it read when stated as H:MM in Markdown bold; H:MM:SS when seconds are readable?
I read **5:10**
